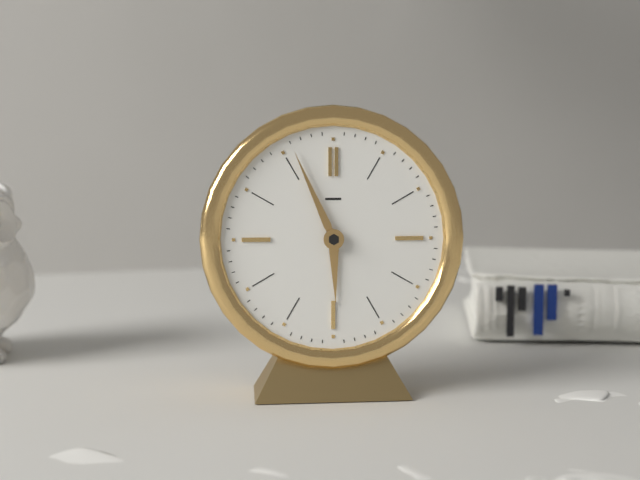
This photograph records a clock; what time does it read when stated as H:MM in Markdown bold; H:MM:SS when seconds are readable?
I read **5:56**
